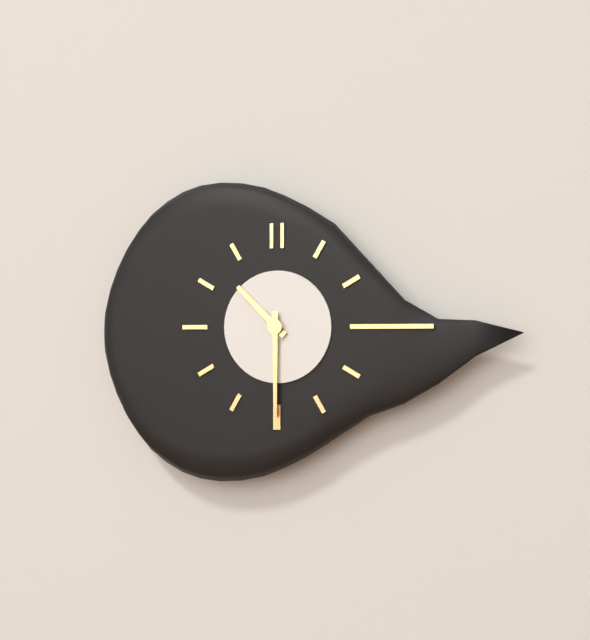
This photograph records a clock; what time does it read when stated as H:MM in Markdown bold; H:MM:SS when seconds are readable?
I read **10:30**
